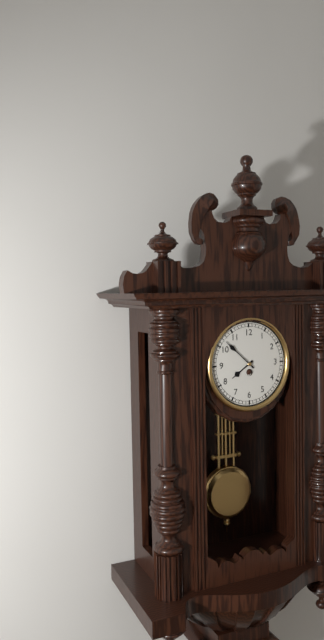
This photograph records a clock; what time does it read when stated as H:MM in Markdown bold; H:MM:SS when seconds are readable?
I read **7:52**
